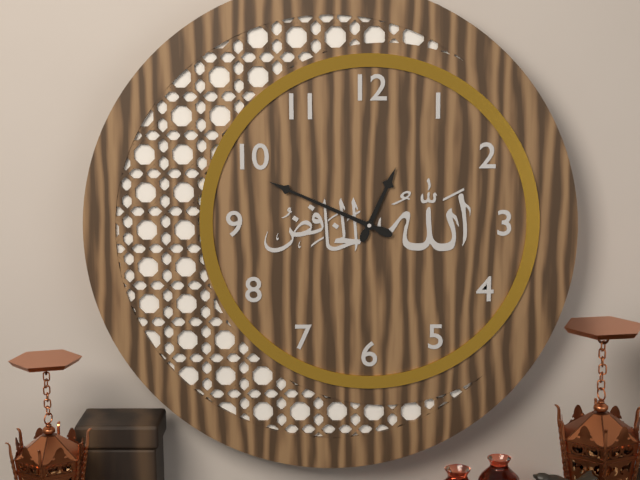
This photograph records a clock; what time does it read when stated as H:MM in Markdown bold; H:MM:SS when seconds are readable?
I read **12:49**
